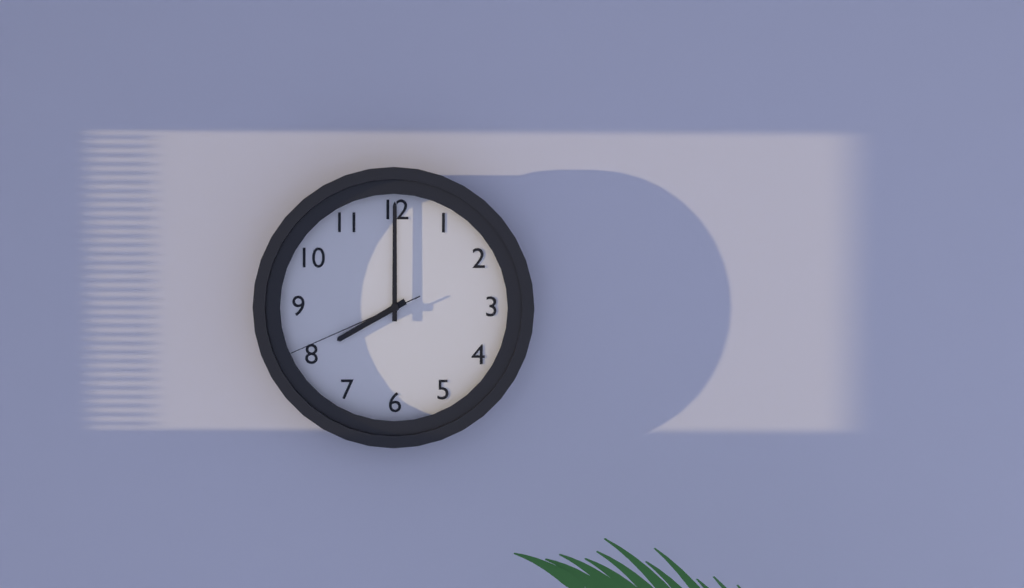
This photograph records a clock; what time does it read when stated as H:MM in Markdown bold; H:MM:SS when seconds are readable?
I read **8:00:41**
